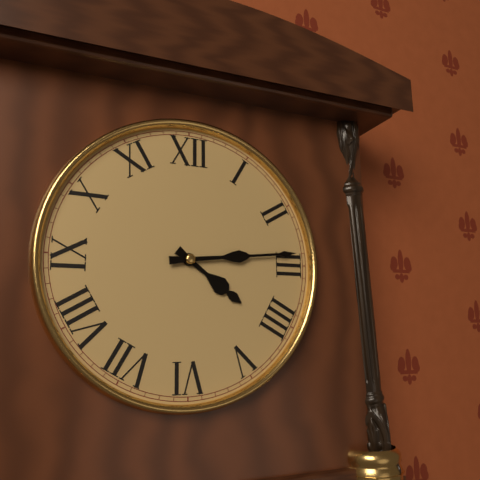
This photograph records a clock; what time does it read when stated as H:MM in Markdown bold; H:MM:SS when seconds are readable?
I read **4:14**
